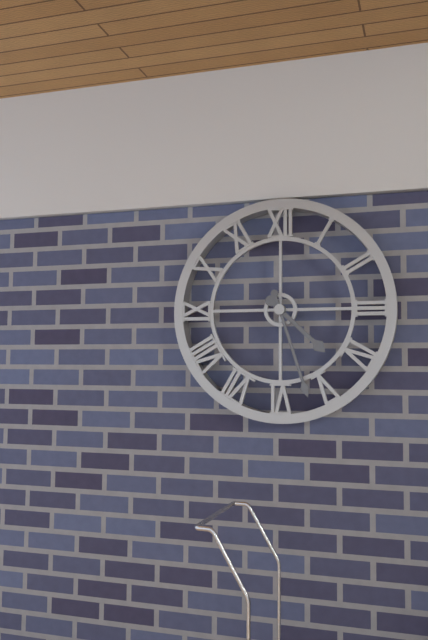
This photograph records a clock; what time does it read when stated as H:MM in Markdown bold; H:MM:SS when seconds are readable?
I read **4:27**
